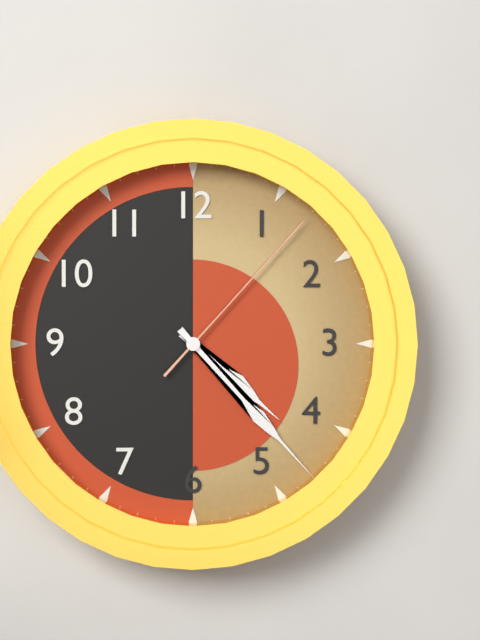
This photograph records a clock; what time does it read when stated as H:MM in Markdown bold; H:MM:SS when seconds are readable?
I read **4:23:07**
